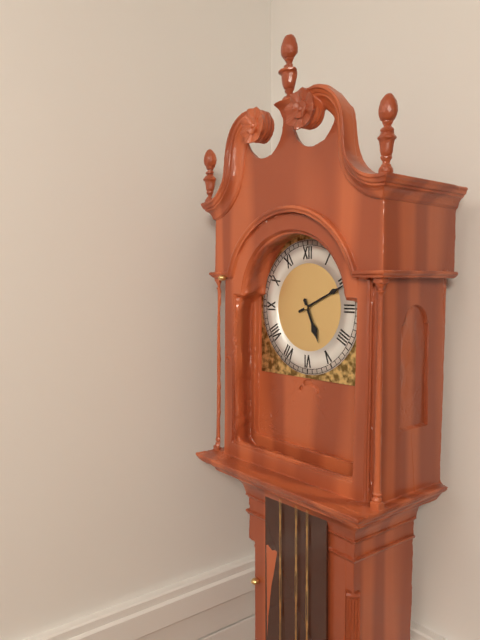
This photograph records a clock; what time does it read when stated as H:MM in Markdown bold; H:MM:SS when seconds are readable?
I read **5:11**
